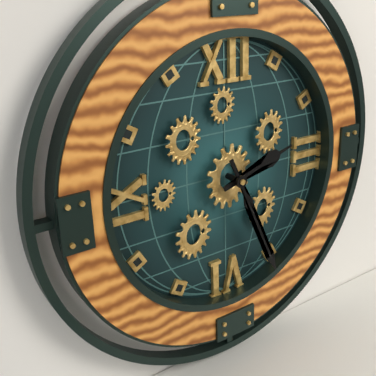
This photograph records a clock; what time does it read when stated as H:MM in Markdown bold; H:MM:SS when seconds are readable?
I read **2:26**
